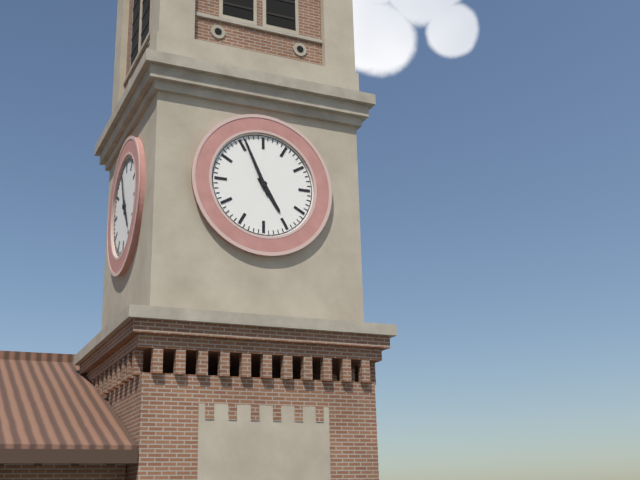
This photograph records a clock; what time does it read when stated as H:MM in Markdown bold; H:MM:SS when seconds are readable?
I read **4:56**
